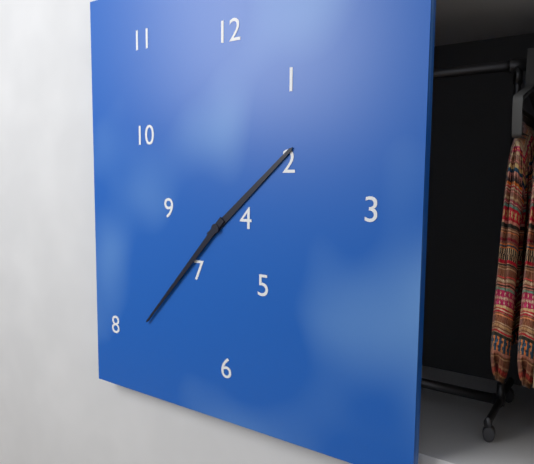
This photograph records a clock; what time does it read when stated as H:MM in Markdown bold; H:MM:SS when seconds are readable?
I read **1:37**
